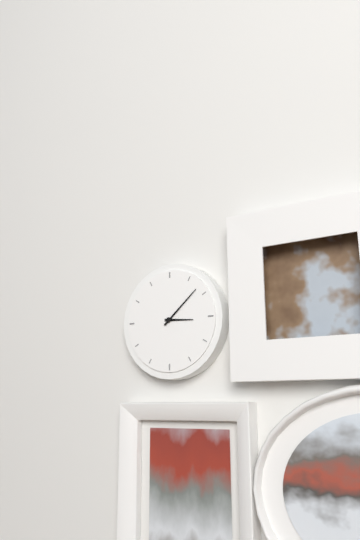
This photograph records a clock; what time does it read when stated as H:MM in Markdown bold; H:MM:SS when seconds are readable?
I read **3:08**
